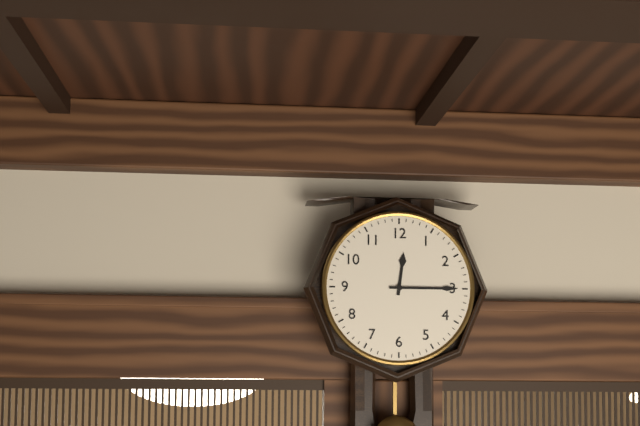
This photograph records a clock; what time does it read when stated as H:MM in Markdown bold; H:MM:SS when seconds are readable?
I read **12:15**
